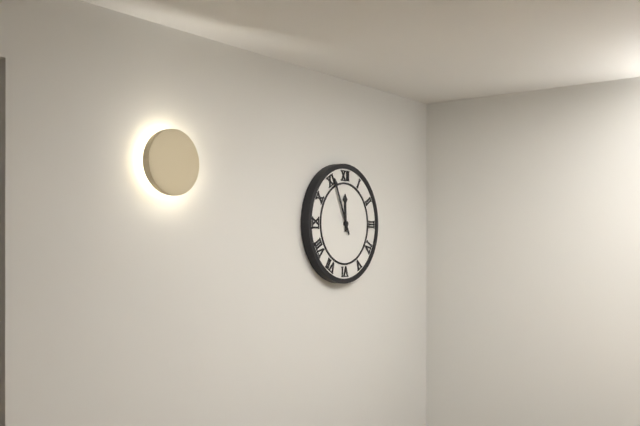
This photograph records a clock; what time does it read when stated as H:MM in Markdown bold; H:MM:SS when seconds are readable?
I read **11:56**
